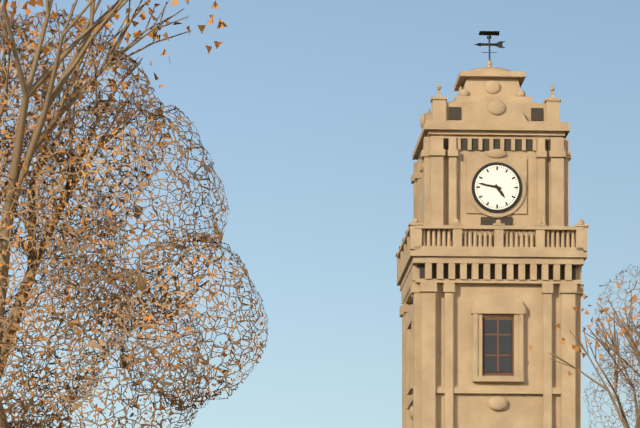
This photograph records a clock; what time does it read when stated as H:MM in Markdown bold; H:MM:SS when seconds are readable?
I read **4:47**
